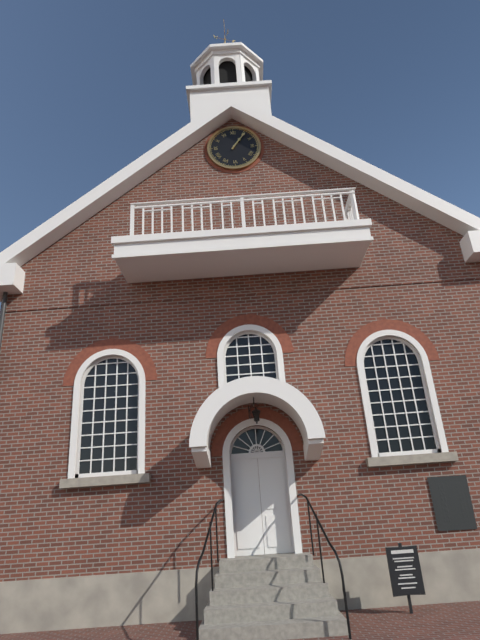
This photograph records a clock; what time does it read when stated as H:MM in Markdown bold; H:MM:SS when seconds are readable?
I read **1:06**
